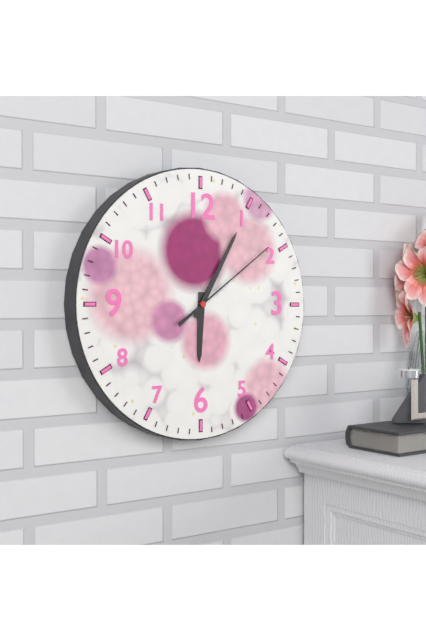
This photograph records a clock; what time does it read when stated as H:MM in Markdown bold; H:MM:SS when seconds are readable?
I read **6:05:09**
